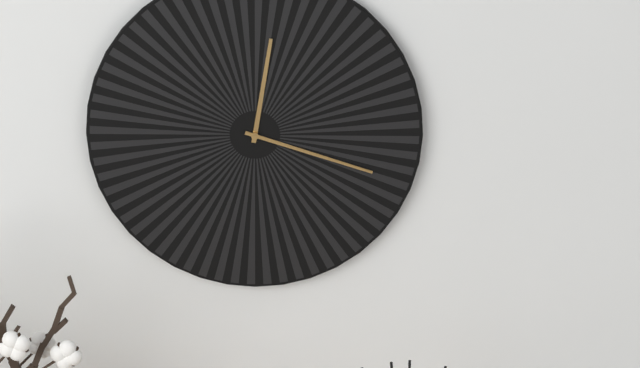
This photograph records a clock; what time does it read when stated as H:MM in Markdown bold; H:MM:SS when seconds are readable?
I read **12:18**
